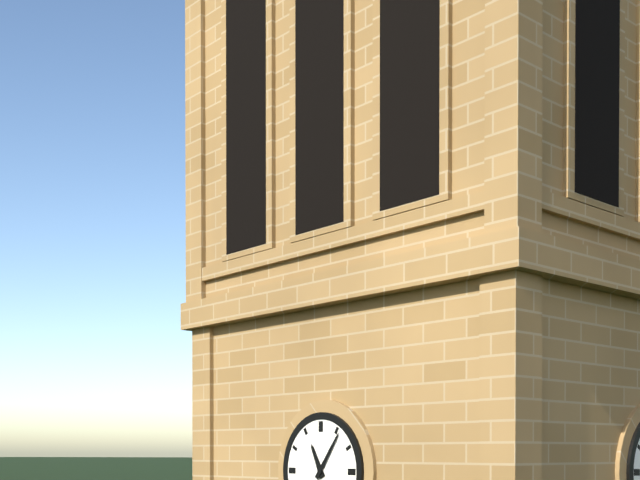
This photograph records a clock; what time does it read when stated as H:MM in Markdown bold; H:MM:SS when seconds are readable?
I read **11:06**
